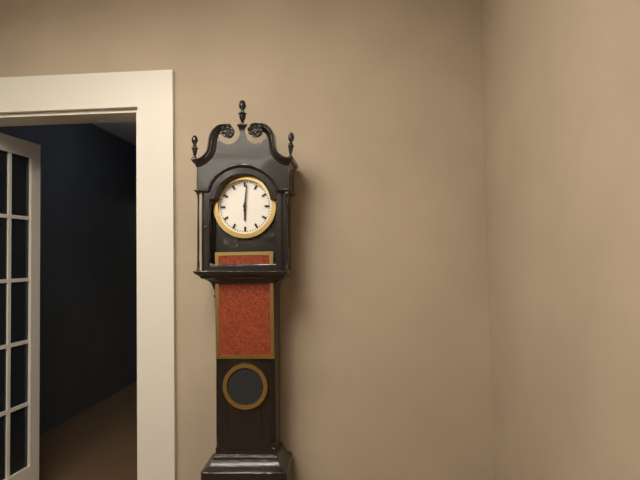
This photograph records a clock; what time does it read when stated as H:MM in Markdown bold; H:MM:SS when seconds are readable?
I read **6:01**
